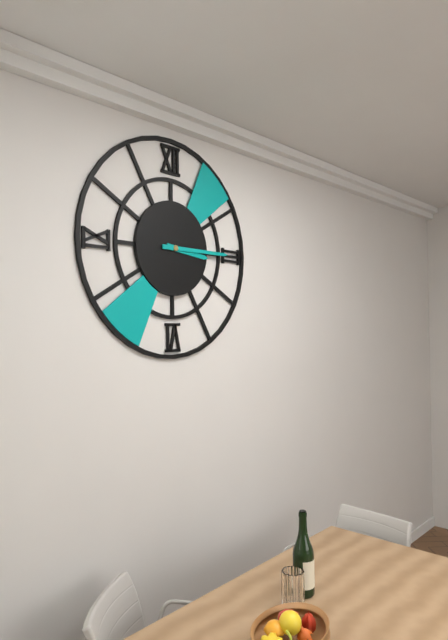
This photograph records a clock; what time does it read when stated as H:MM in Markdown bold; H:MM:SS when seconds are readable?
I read **3:15**
